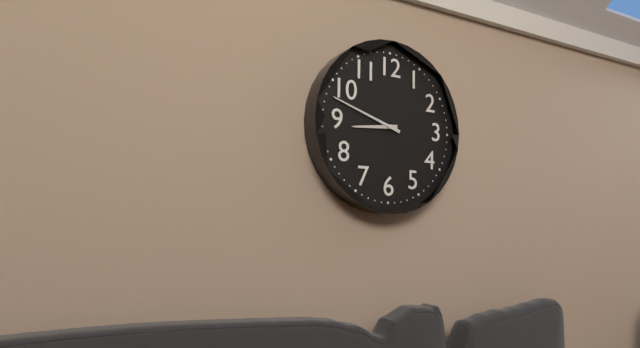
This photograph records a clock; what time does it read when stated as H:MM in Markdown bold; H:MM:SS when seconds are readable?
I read **8:48**
